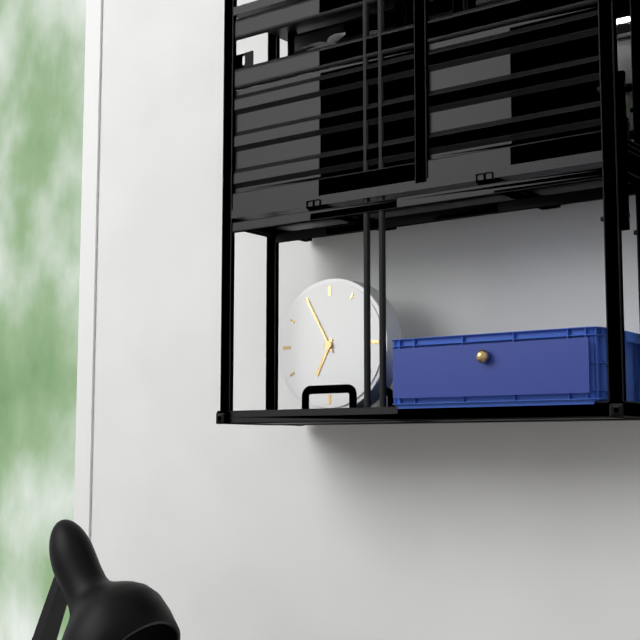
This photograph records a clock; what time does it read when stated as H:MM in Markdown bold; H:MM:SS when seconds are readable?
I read **6:55**
